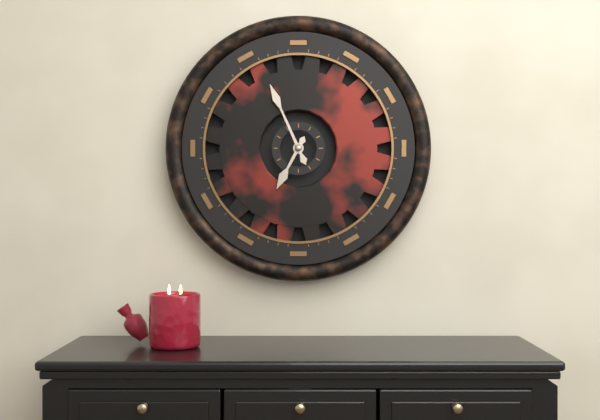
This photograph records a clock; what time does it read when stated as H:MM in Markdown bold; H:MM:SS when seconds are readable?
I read **6:56**
